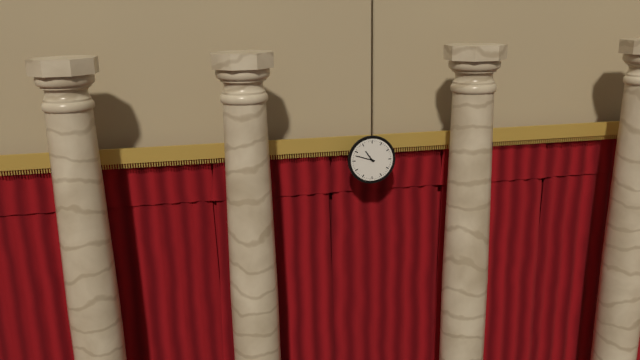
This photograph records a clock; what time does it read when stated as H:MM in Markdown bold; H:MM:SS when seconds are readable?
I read **10:48**
